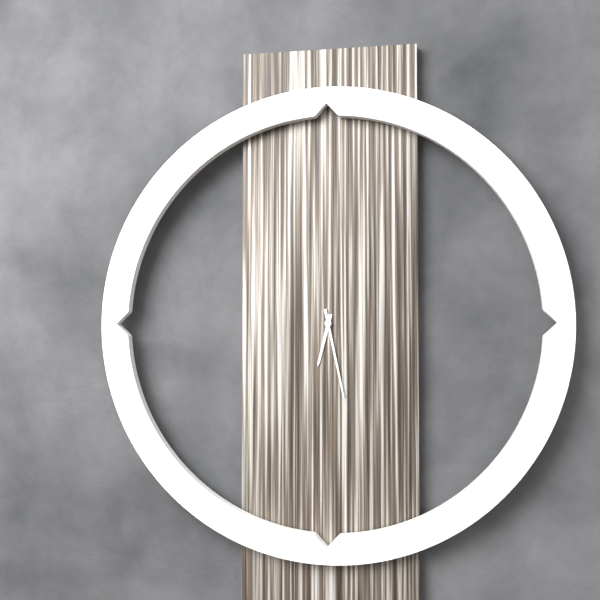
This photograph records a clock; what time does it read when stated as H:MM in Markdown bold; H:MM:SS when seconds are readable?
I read **6:28**
